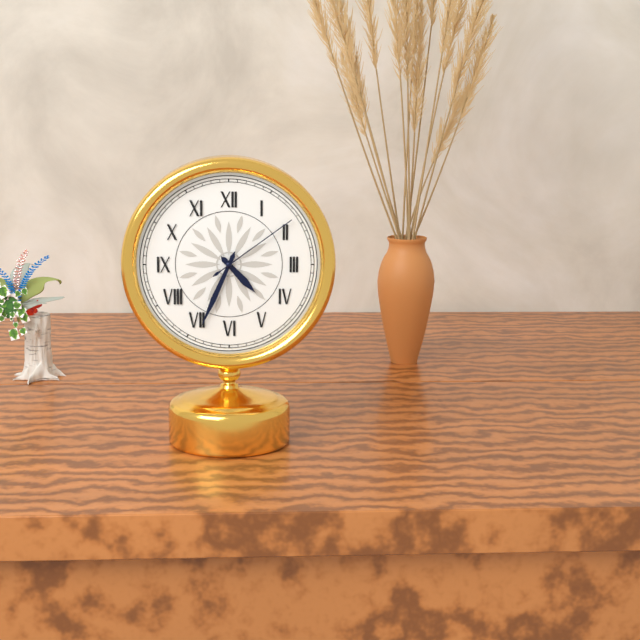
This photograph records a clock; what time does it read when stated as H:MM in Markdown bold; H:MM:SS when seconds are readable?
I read **4:34:09**
